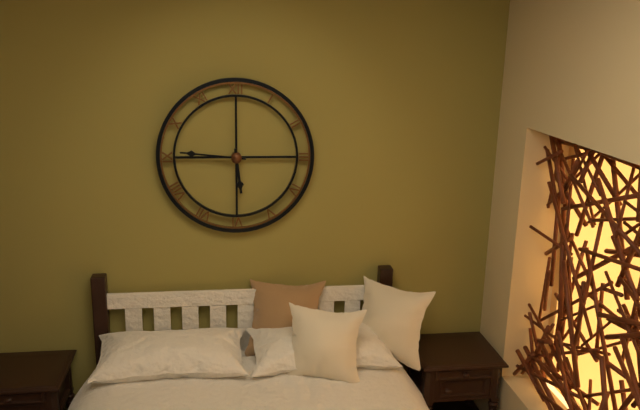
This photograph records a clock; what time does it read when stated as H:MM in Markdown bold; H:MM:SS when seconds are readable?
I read **5:46**
